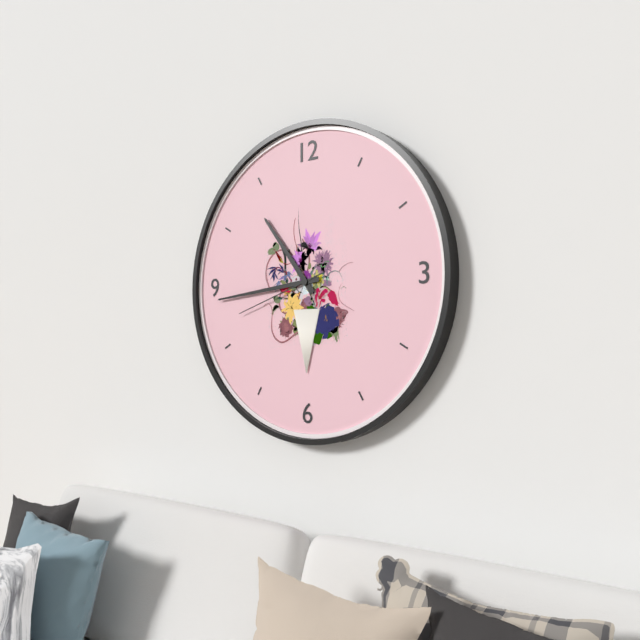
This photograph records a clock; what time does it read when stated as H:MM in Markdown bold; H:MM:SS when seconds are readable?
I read **10:44:42**
